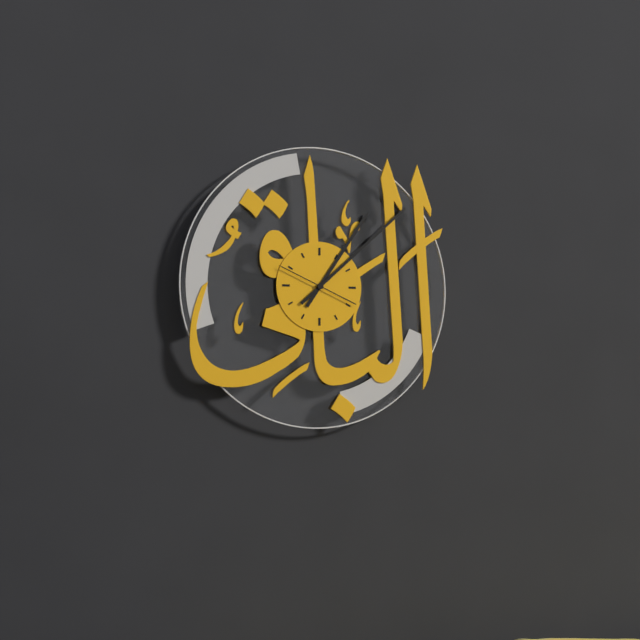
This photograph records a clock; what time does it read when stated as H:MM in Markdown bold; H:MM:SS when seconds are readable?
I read **1:08:49**
